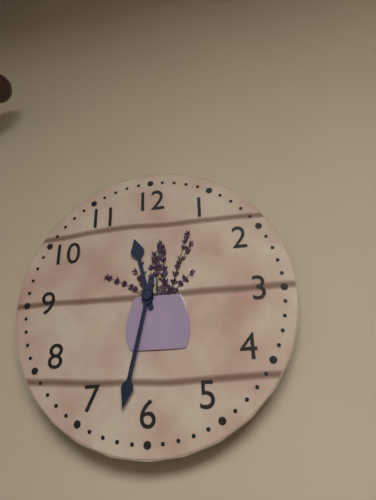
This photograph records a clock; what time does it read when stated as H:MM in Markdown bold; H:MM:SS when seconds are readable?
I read **11:32**
